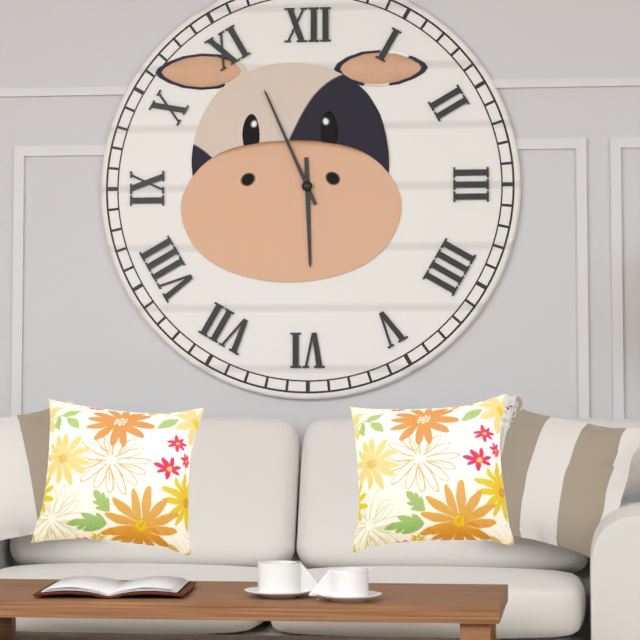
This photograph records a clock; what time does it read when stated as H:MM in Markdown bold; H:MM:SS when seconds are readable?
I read **5:56**
